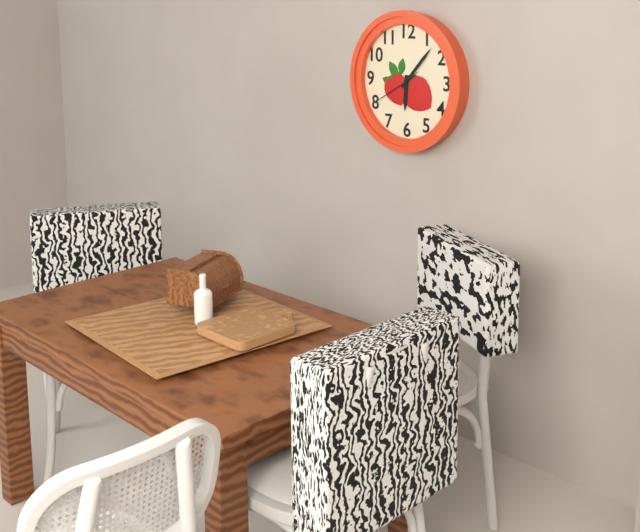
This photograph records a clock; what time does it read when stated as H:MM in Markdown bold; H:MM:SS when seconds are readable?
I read **6:07**
